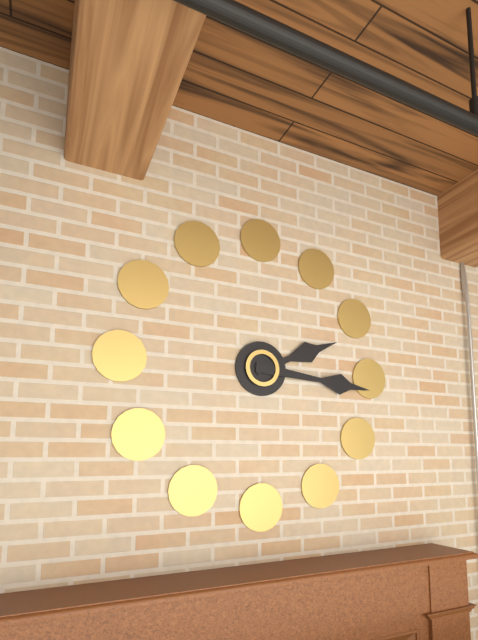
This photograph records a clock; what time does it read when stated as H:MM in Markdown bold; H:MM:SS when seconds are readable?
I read **2:16**
